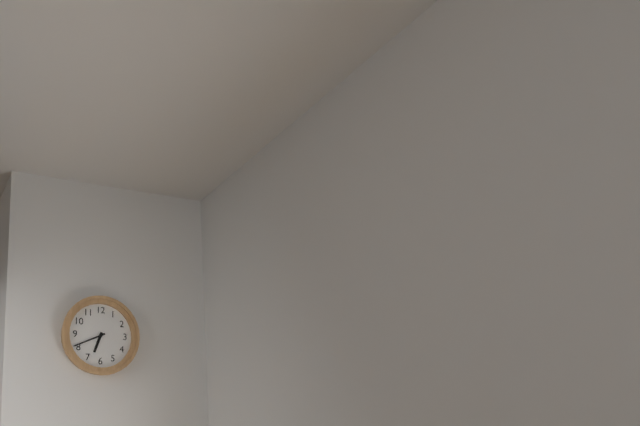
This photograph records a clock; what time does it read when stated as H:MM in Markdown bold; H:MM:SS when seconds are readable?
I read **6:41**
